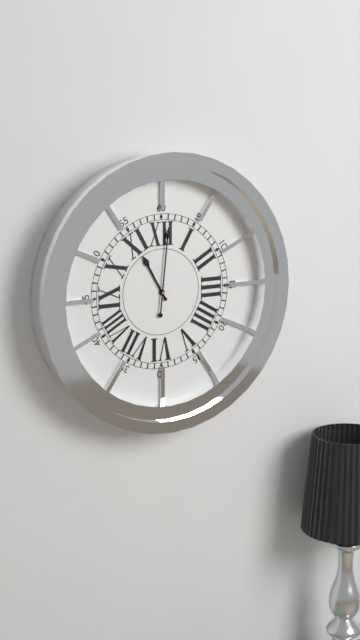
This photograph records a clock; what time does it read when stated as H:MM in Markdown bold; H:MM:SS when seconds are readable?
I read **11:01**
